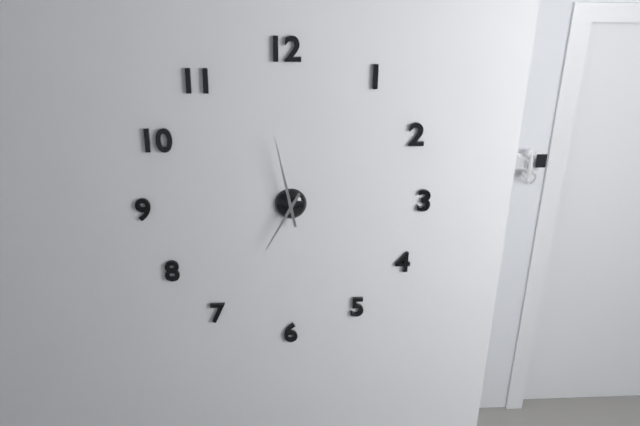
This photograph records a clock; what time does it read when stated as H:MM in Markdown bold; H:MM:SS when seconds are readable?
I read **6:58**
